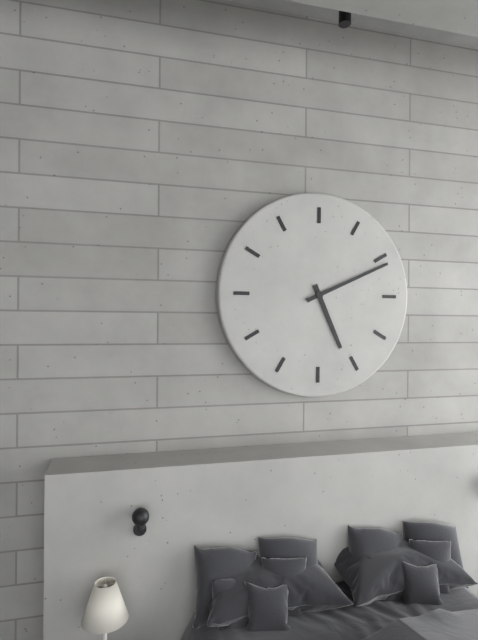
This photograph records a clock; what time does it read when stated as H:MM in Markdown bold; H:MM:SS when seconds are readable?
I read **5:11**
